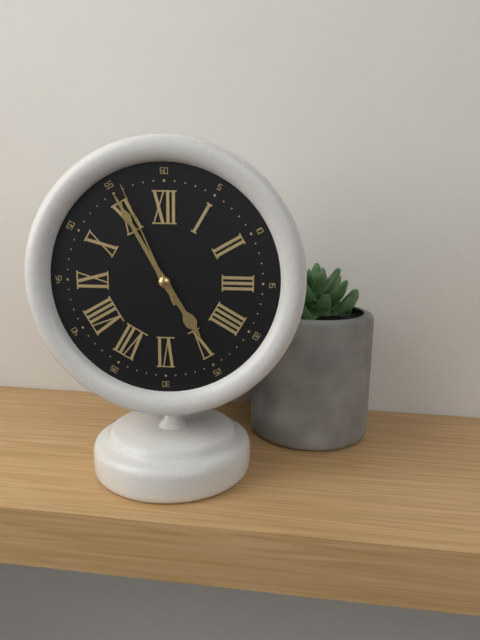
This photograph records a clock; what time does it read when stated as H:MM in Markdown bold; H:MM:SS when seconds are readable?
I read **4:55:56**
